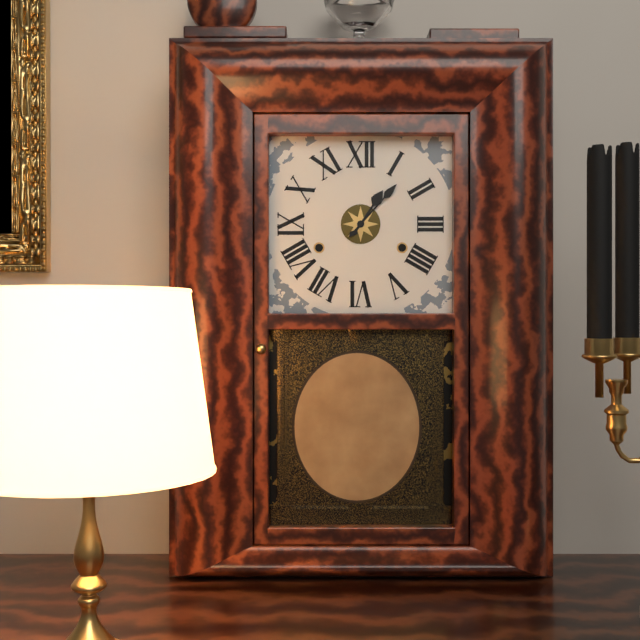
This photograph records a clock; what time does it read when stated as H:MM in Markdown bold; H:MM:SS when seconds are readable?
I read **1:07**
